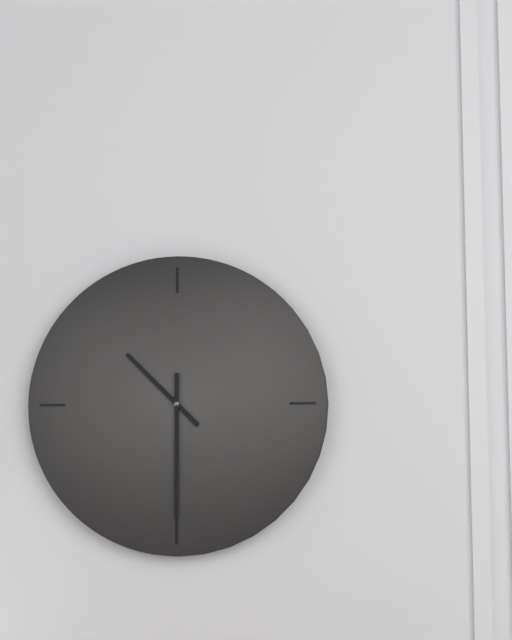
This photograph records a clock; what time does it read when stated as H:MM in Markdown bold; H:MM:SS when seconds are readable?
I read **10:30**
